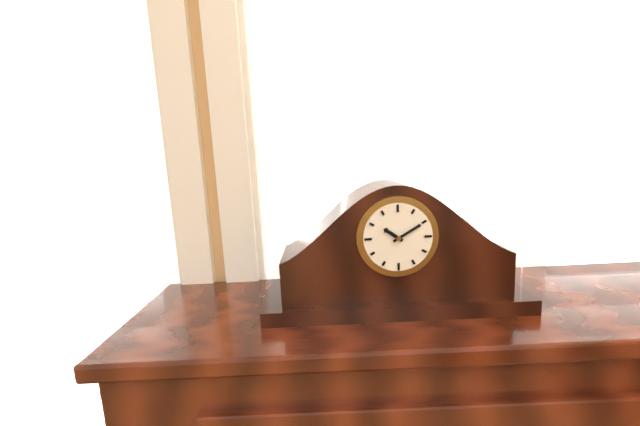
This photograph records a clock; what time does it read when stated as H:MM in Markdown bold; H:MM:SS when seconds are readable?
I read **10:10**
